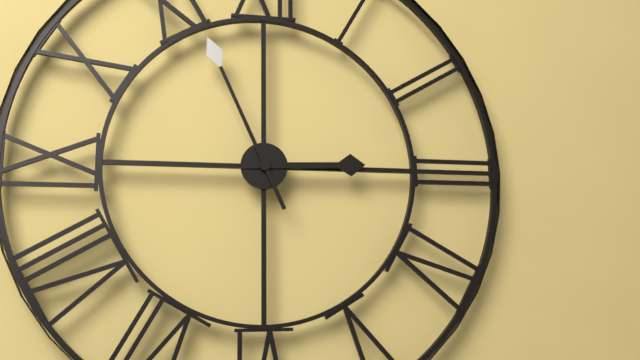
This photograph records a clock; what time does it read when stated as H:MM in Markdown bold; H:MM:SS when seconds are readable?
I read **2:56**
